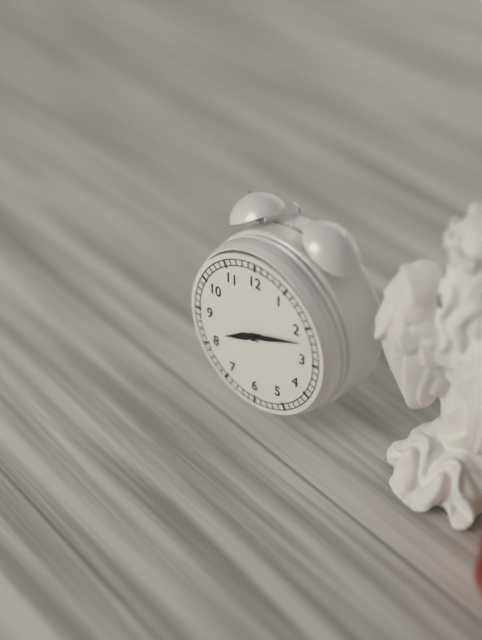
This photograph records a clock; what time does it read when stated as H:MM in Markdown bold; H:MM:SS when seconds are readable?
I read **8:12**
